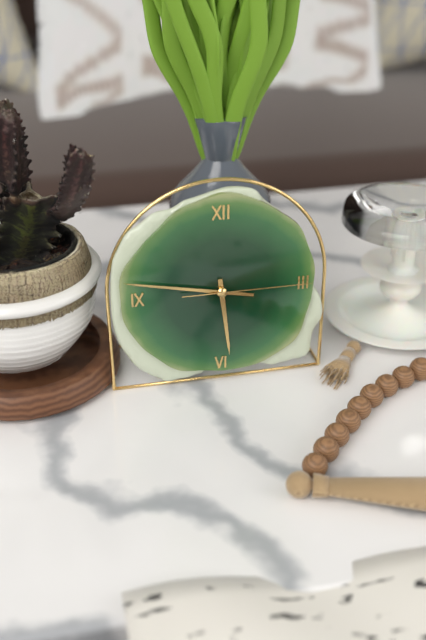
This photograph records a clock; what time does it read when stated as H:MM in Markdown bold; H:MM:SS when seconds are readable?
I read **5:47:15**
